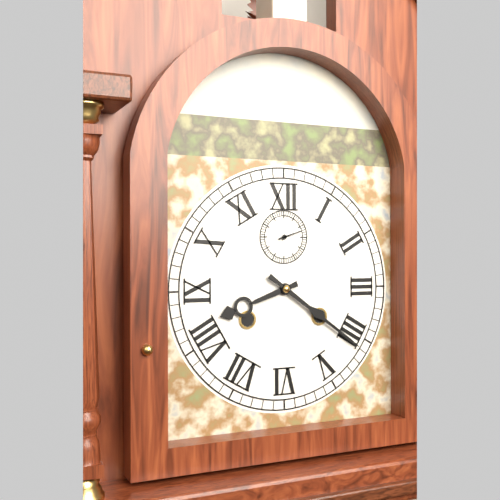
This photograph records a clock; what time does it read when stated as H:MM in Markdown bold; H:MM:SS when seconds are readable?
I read **8:21**
